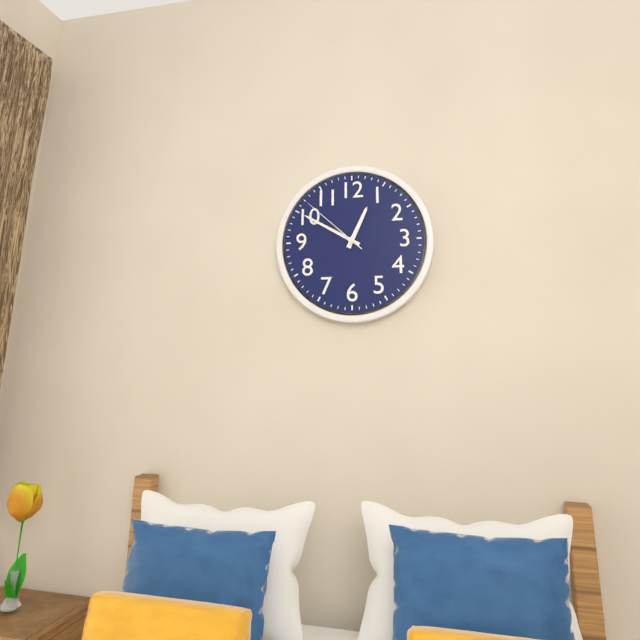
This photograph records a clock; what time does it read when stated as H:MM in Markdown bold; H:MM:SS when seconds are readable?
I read **12:50:52**
